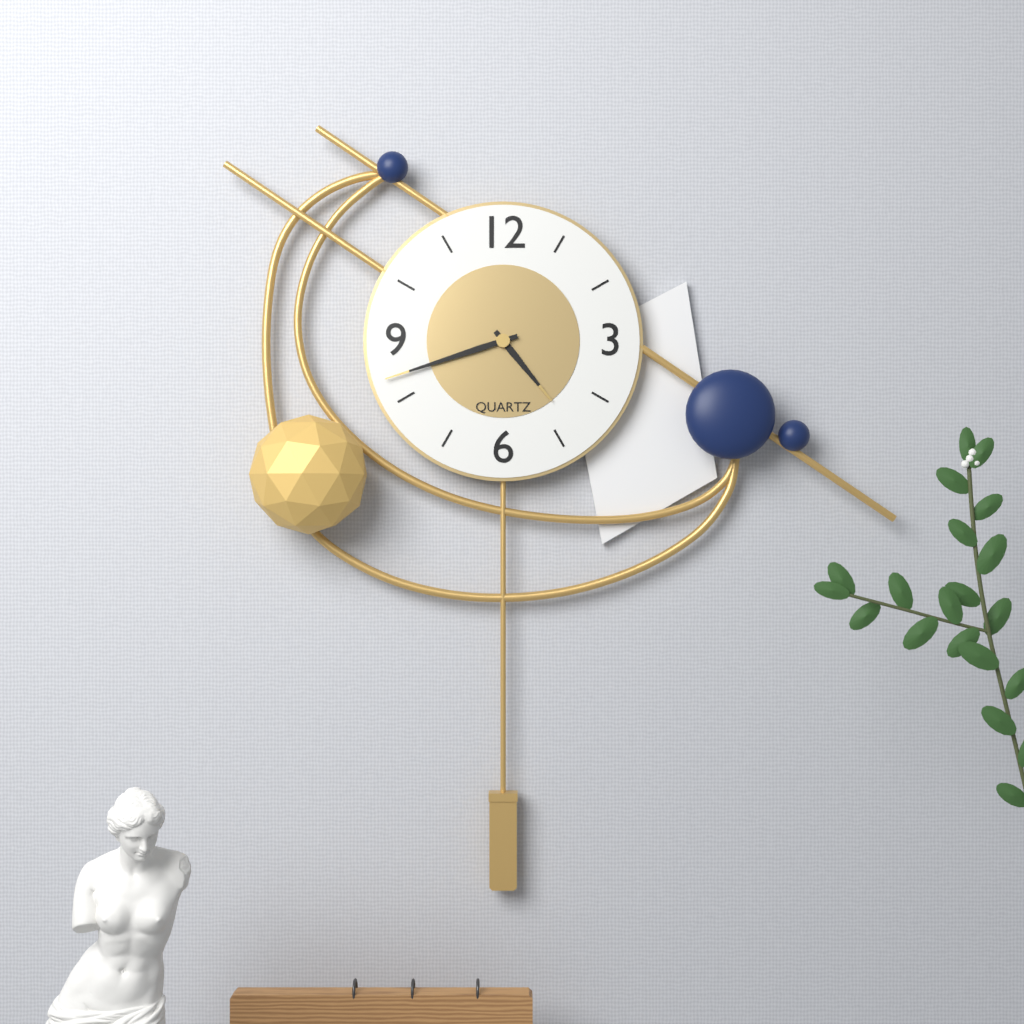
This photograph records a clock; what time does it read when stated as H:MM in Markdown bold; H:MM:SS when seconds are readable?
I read **4:42**
